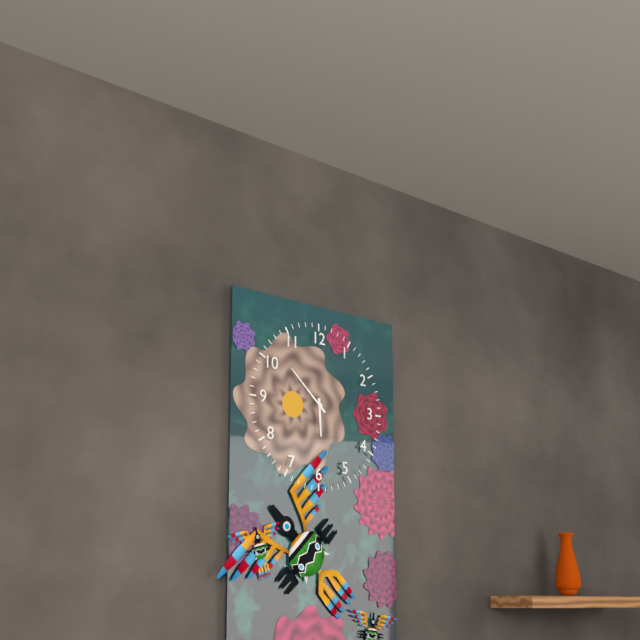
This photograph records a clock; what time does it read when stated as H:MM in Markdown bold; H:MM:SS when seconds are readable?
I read **5:52**
